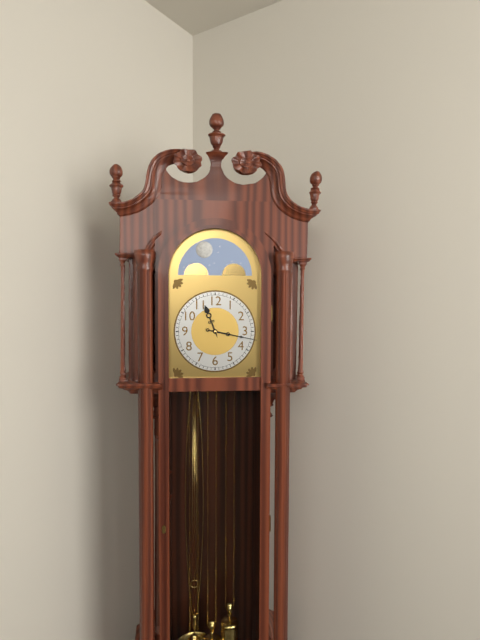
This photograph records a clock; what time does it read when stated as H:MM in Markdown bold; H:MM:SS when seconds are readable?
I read **11:17**
